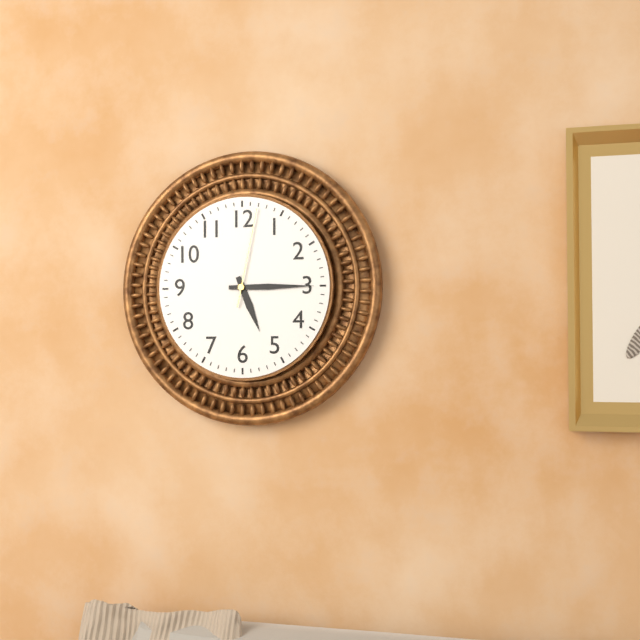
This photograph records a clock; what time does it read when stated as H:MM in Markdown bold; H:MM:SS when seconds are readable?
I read **5:15:02**
